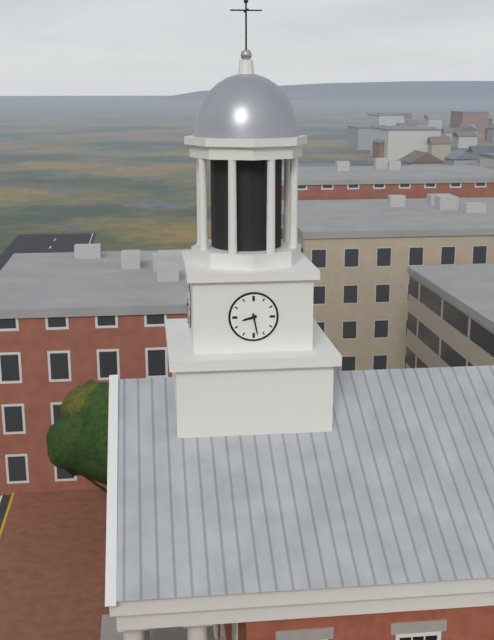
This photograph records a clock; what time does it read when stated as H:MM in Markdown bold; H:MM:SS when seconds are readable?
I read **8:28**
